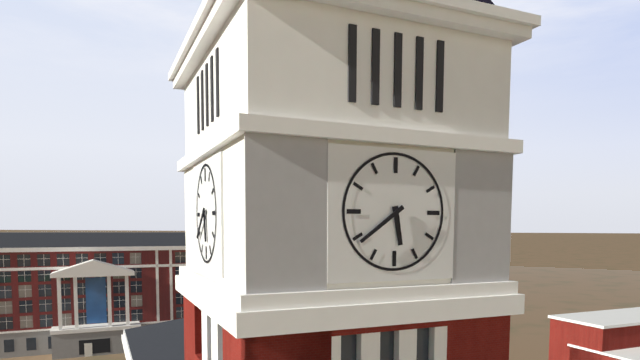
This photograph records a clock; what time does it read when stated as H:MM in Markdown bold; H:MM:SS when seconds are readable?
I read **5:39**
